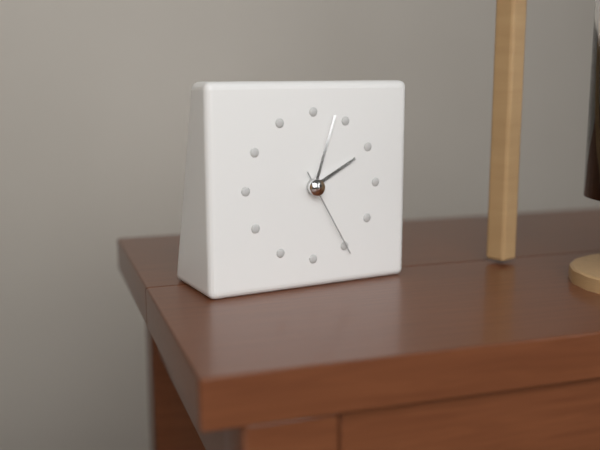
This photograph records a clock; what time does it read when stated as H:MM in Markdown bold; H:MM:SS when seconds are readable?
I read **2:03:25**
